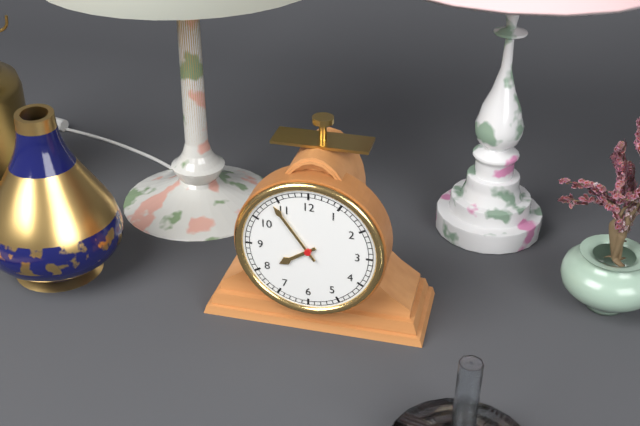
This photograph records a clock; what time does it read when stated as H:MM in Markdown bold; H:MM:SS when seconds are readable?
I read **7:54**
